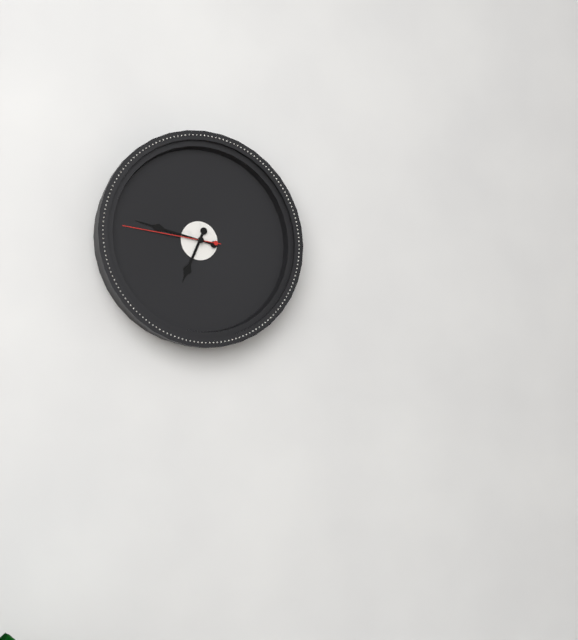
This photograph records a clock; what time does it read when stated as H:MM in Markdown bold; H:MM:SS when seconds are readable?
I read **6:47:46**
